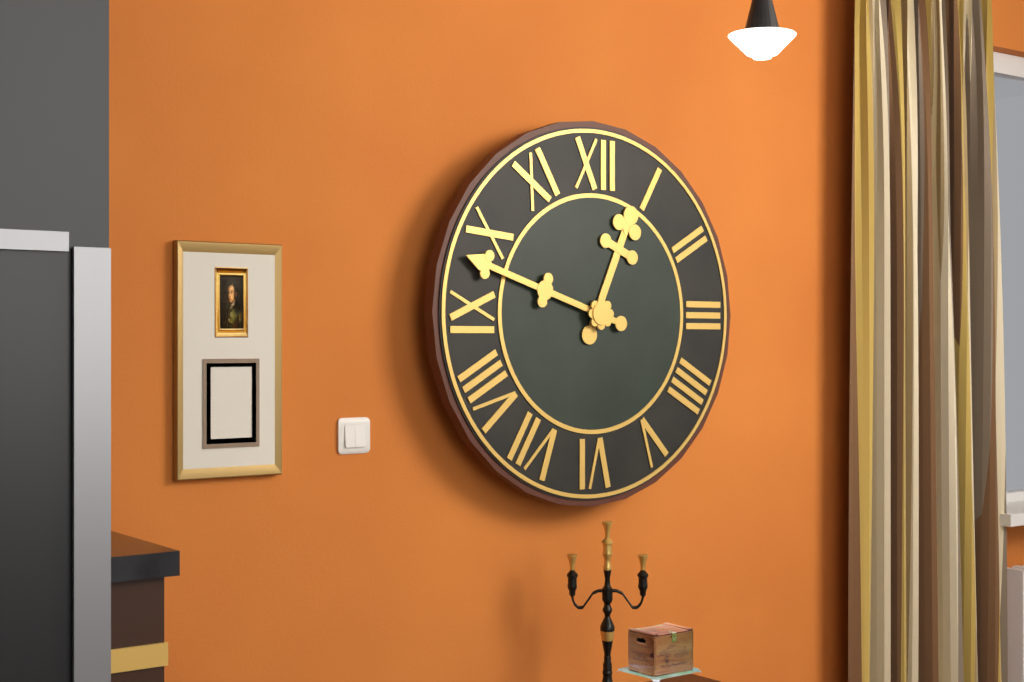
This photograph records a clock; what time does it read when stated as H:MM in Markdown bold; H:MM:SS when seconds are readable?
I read **12:48**
